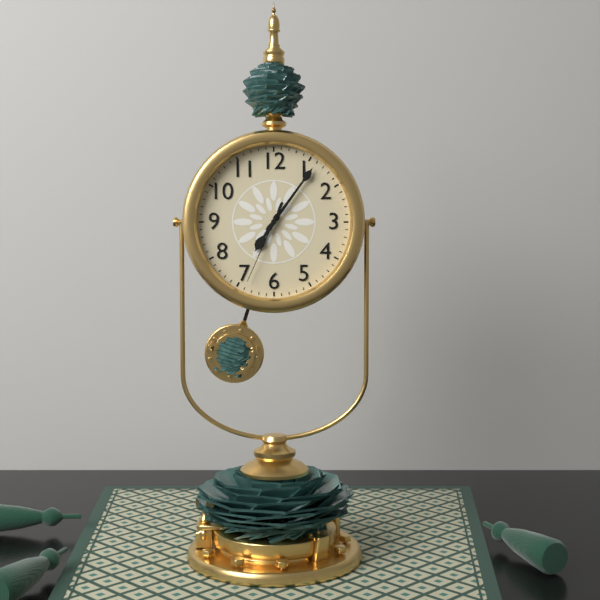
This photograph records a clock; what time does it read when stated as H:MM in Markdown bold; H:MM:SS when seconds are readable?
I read **7:06:34**
